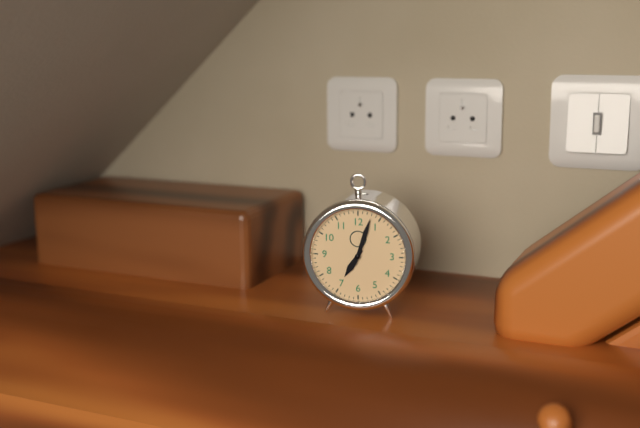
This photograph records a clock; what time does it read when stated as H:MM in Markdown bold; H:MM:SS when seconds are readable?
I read **7:03**
